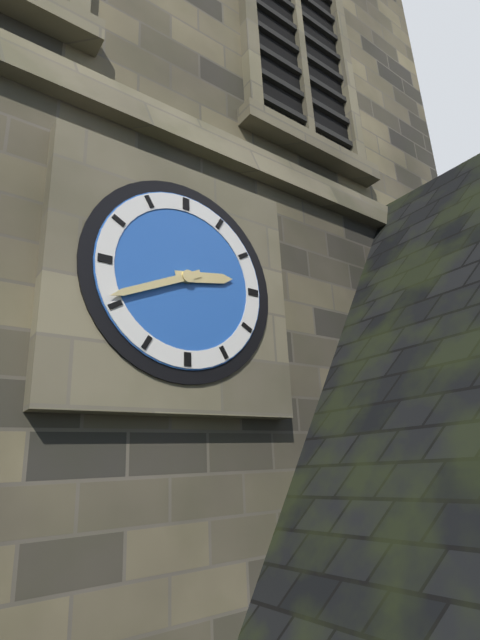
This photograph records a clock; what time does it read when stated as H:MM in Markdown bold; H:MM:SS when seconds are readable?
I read **2:41**
